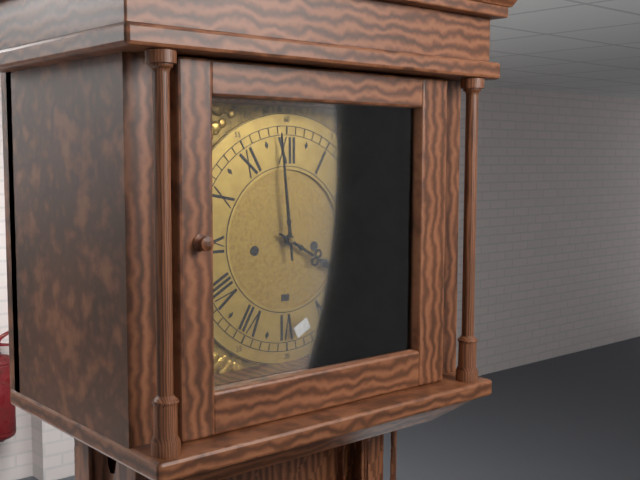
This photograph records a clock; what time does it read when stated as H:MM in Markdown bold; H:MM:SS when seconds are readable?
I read **3:59**
